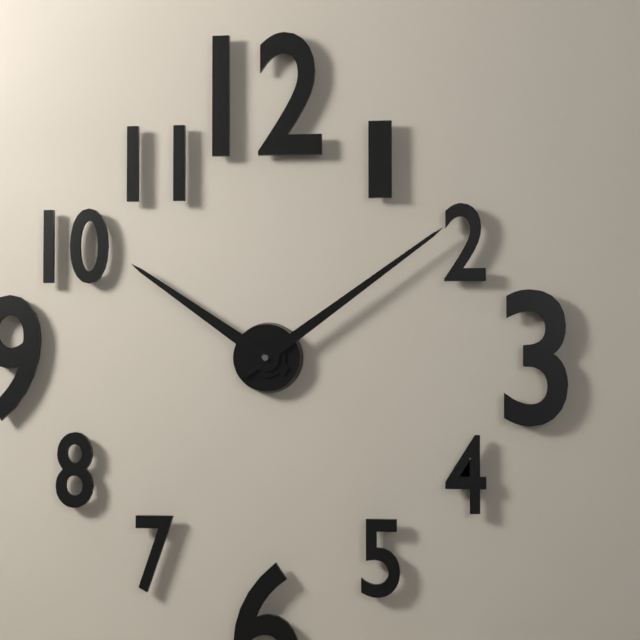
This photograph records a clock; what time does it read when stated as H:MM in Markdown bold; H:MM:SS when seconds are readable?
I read **10:09**
